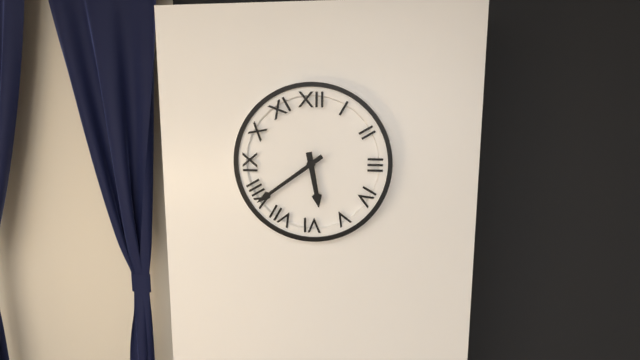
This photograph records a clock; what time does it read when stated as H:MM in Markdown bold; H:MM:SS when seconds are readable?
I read **5:39**
